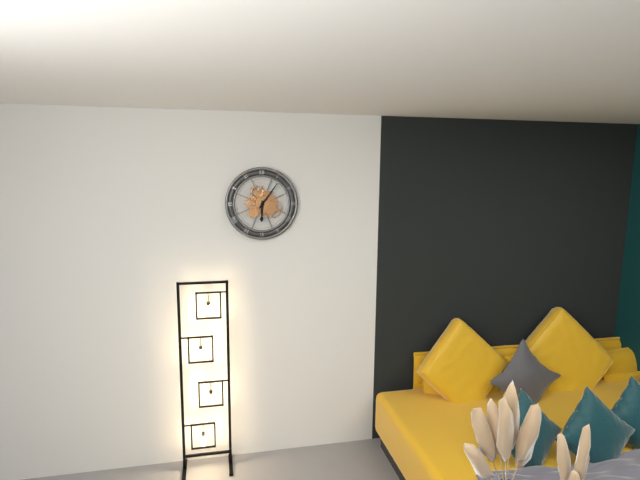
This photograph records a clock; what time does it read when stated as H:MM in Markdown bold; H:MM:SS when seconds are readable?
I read **6:06**
